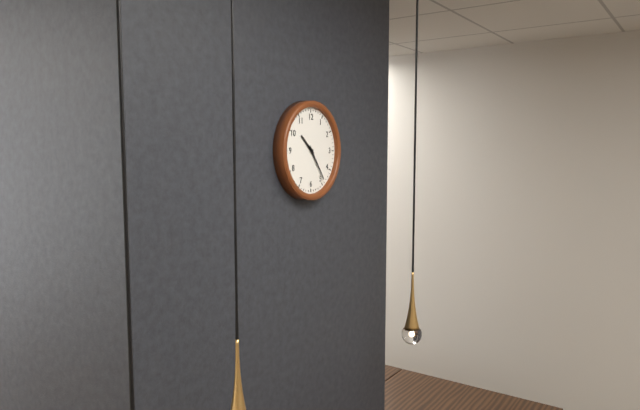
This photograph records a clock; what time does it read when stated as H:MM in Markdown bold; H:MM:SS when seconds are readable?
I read **10:24**
